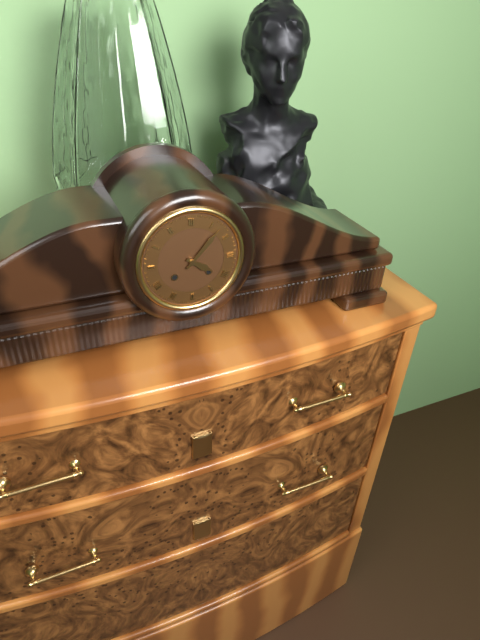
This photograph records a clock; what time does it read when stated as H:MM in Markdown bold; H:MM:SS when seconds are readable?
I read **4:07**
